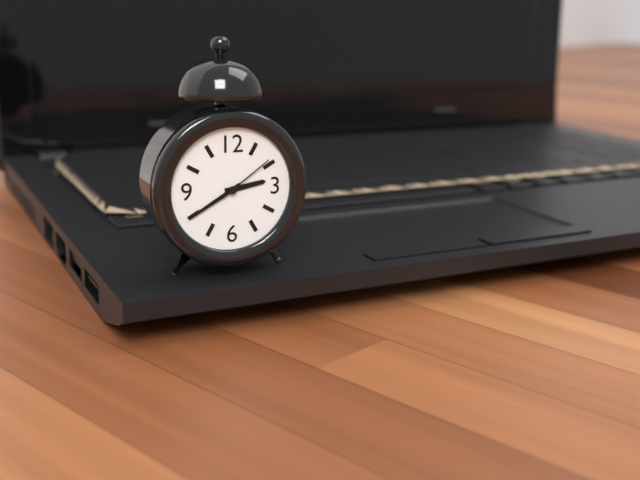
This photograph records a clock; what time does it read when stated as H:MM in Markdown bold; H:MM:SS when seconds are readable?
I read **2:40:09**
